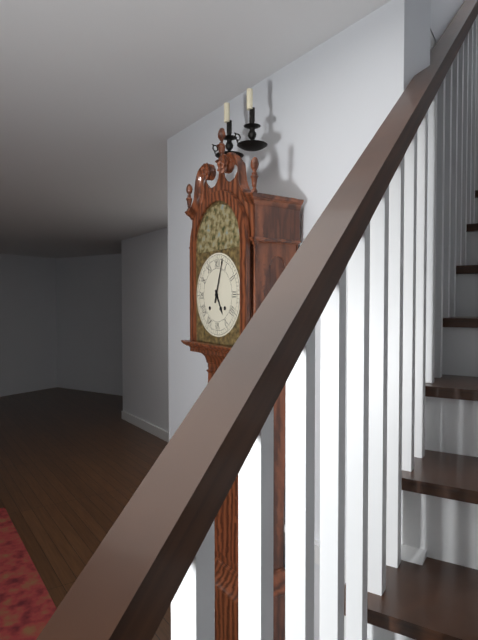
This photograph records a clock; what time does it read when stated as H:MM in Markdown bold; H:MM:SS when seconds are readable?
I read **5:03**
